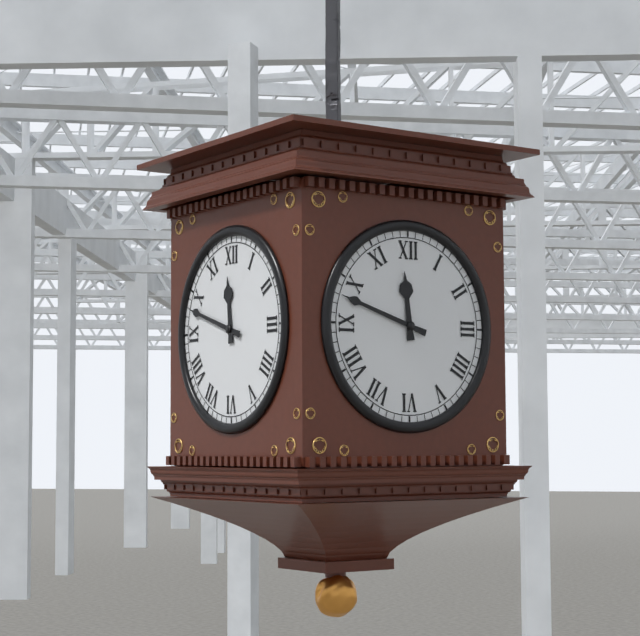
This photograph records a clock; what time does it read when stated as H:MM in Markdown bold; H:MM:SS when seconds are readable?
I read **11:48**
